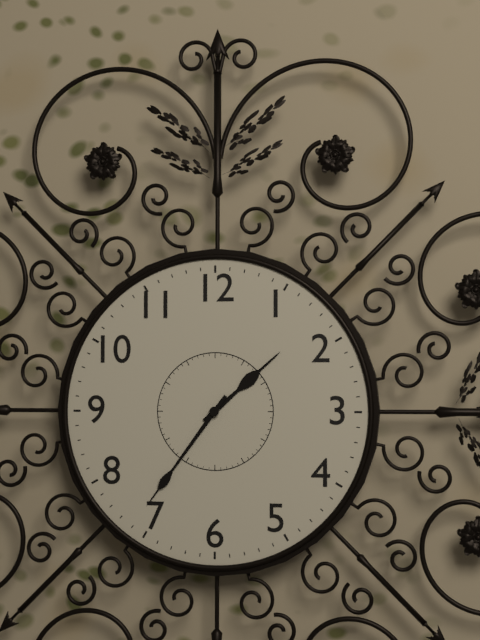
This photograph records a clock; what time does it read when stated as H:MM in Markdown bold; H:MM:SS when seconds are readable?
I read **1:36**
